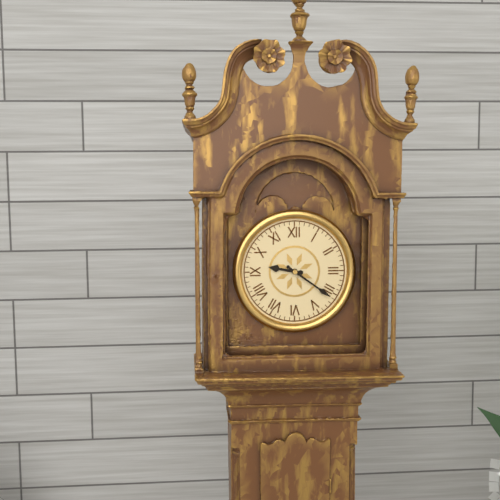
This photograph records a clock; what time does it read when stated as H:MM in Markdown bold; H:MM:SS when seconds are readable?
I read **9:21**
